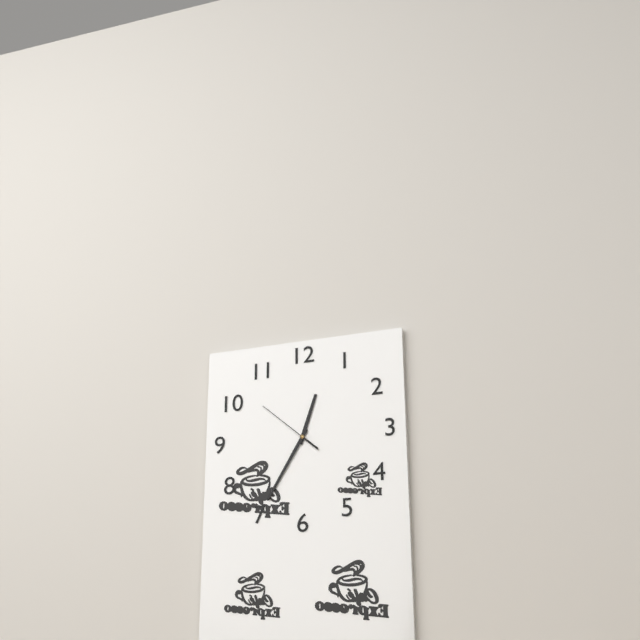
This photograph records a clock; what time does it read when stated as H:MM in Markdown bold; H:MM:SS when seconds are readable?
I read **12:35:52**
